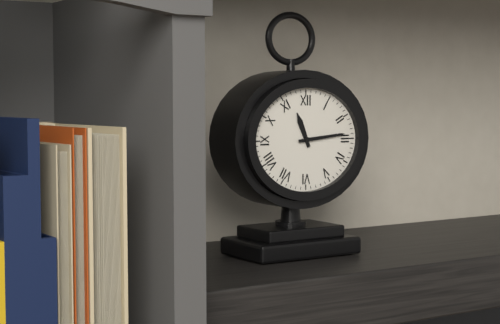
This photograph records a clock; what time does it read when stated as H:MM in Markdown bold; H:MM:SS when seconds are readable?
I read **11:14**
